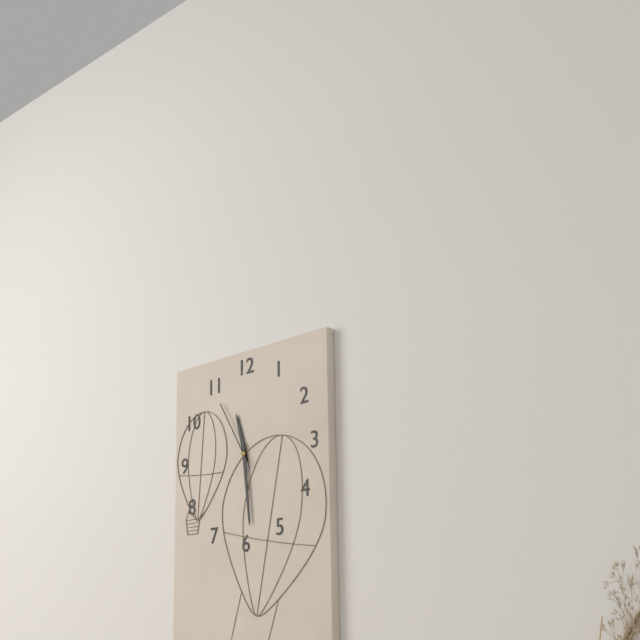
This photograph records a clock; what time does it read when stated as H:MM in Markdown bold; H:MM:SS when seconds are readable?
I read **11:29:55**
